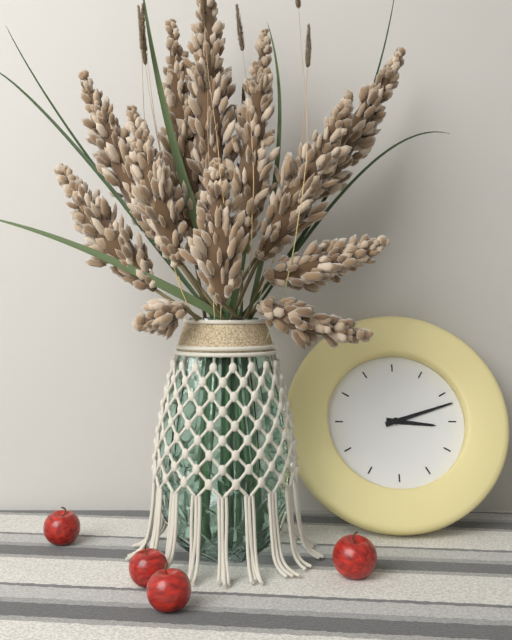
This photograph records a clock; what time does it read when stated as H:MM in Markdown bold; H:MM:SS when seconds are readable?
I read **3:12**
